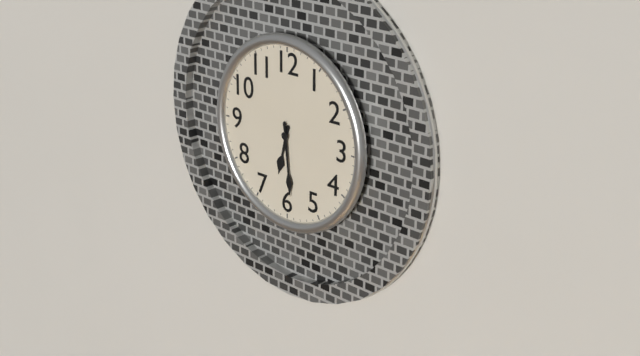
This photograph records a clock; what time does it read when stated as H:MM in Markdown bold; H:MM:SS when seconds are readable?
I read **6:29**
